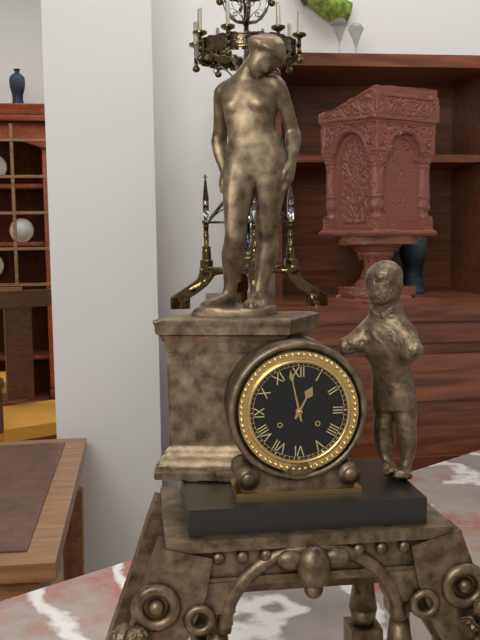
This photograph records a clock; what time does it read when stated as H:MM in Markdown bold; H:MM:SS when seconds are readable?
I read **12:58**
